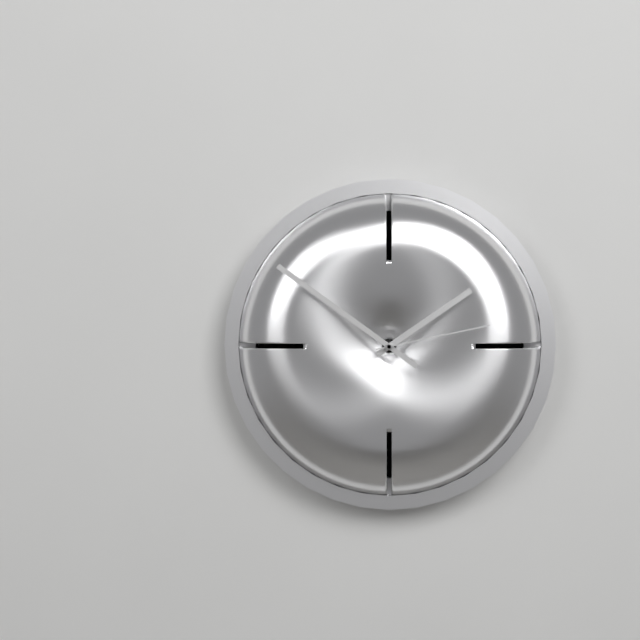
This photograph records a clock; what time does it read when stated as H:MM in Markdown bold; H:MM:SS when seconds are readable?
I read **1:51:13**
